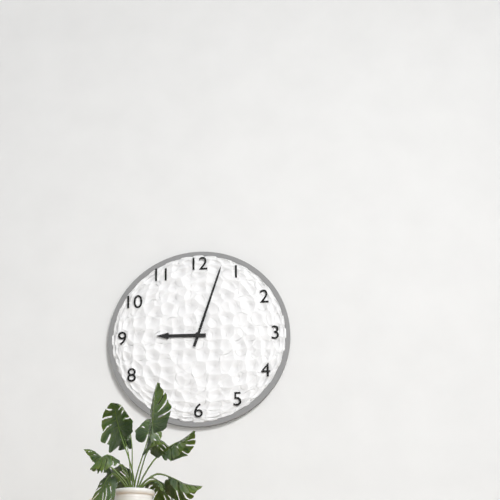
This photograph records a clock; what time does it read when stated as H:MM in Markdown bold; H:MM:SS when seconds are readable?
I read **9:03**
